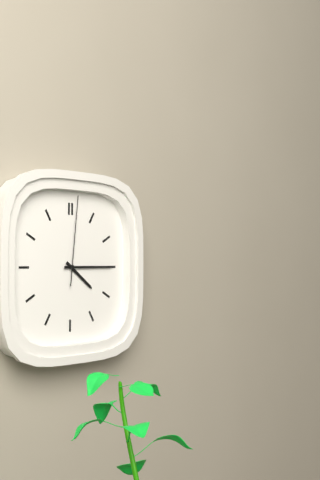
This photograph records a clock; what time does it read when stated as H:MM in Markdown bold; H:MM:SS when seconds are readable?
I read **4:15:01**
